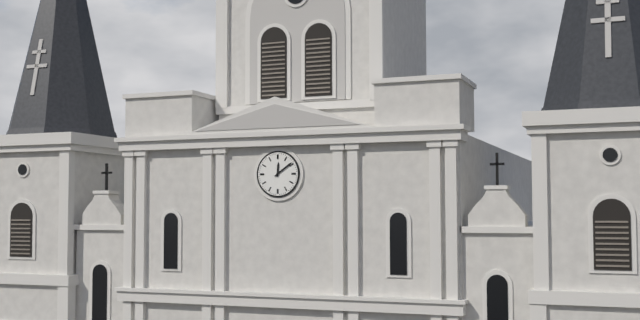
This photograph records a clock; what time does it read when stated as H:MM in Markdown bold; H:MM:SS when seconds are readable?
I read **12:09**
